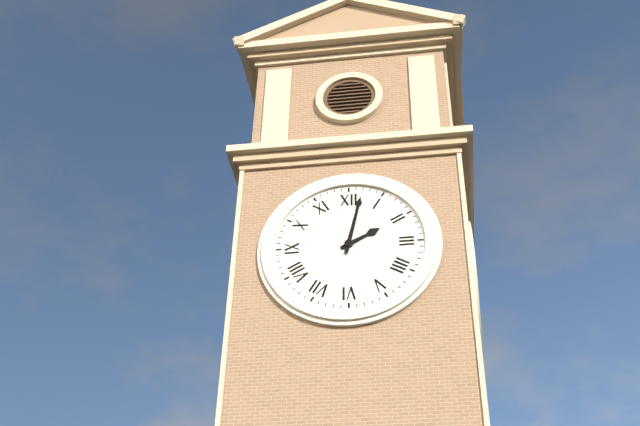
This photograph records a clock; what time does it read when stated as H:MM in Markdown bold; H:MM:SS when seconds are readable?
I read **2:02**
